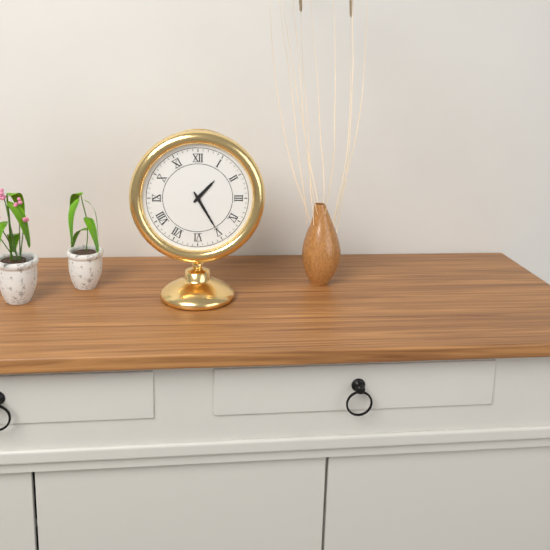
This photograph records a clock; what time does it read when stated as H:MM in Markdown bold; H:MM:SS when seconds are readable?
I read **1:25**
